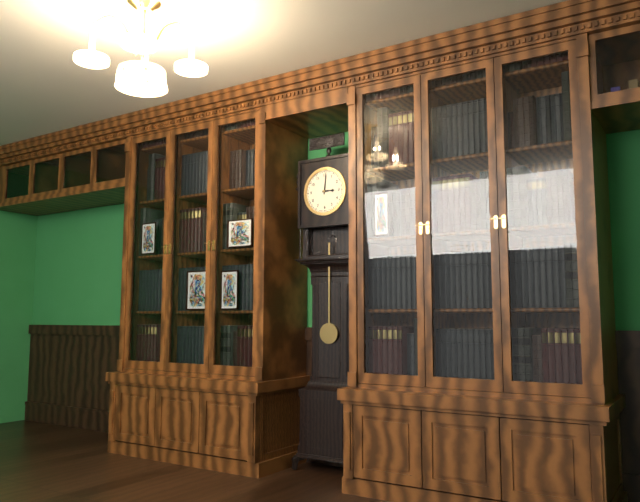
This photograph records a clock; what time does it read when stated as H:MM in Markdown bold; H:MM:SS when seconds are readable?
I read **3:01**
